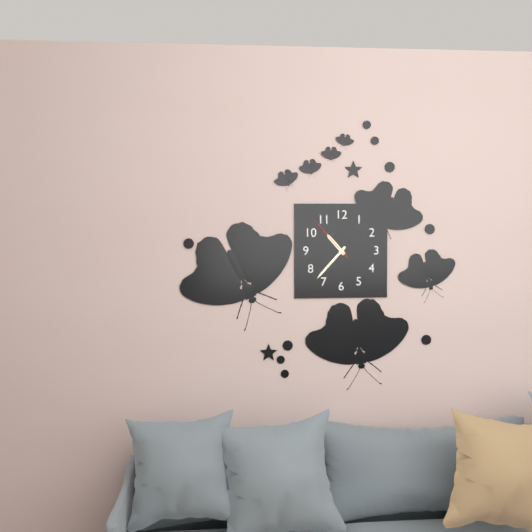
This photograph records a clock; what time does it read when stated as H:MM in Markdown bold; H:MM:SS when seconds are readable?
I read **10:37:53**
